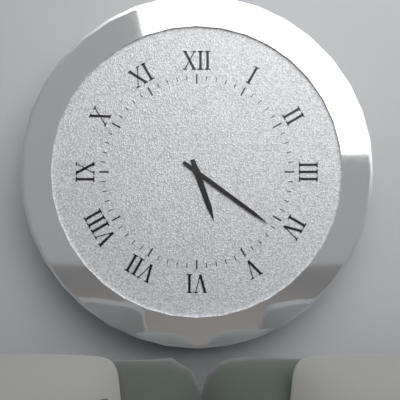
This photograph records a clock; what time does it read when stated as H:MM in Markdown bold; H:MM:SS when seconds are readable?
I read **5:21**
